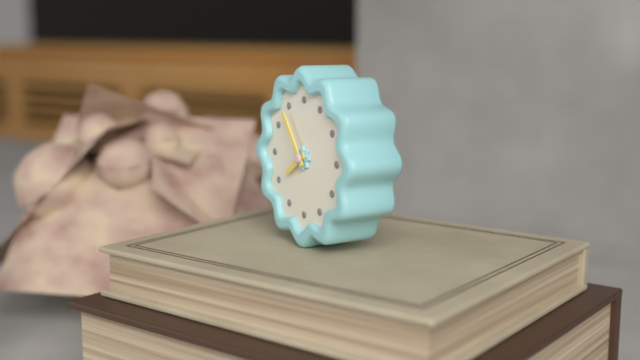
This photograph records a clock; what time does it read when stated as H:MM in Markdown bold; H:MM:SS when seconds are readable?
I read **7:54**
